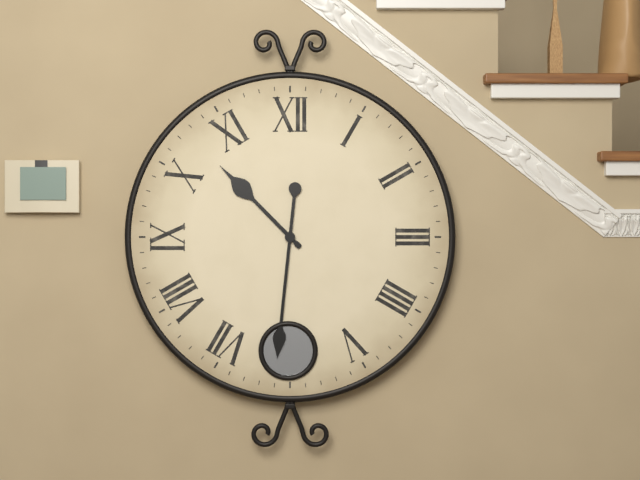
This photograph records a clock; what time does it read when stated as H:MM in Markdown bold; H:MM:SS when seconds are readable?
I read **10:31**
